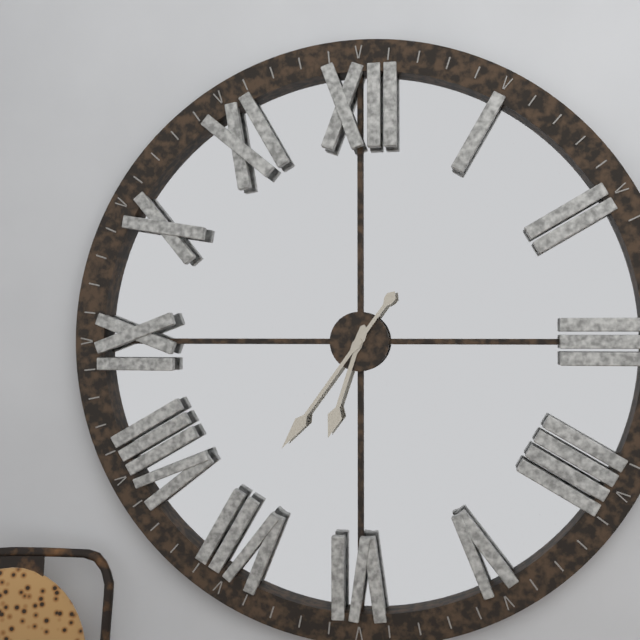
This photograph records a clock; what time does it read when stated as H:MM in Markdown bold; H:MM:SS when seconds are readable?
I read **6:36**
